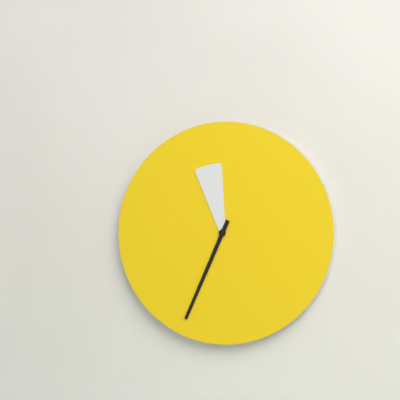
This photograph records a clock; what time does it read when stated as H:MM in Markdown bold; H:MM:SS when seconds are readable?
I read **11:34**
